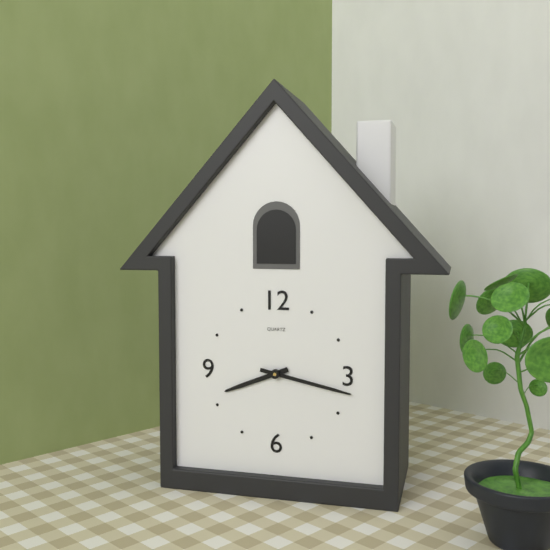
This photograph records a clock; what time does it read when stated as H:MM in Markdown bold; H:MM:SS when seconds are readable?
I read **8:17**
